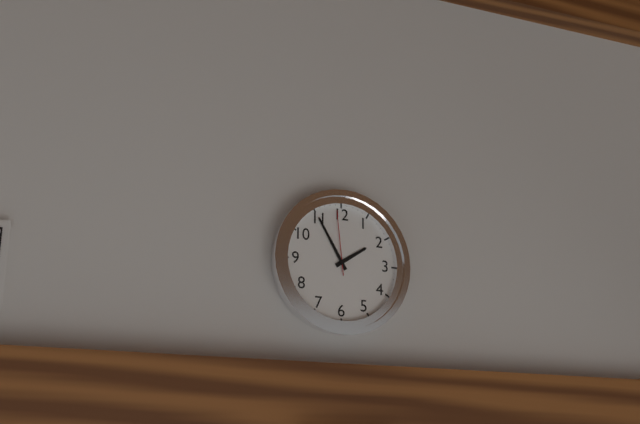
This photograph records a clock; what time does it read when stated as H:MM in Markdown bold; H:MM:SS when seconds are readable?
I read **1:55:59**
